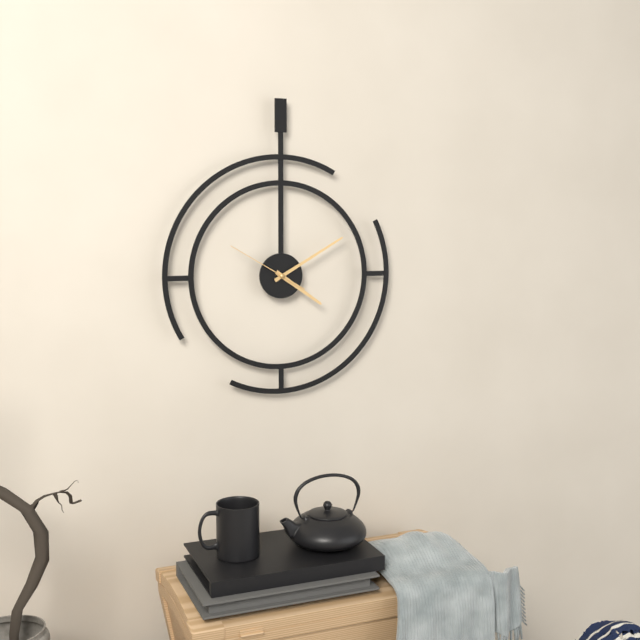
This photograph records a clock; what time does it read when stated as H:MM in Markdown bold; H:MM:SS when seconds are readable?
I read **4:10:50**
